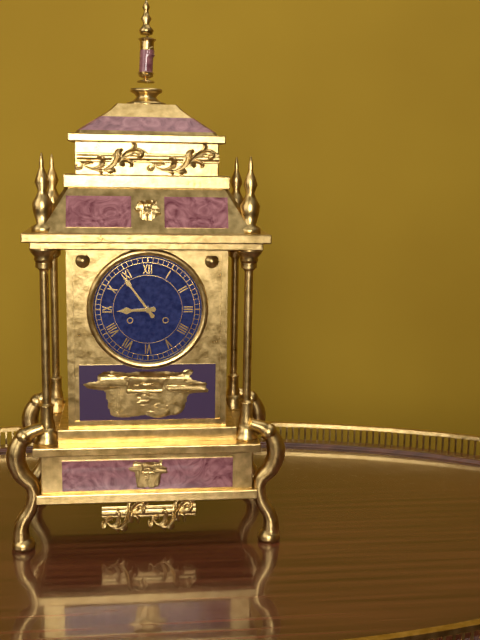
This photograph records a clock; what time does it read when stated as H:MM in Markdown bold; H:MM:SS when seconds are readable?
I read **8:54**
